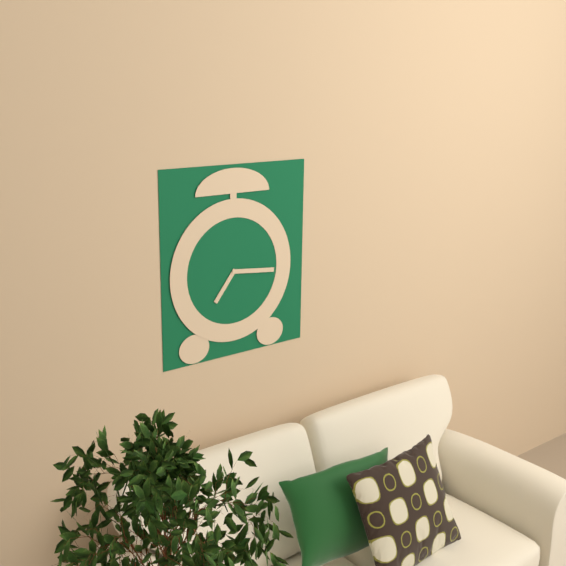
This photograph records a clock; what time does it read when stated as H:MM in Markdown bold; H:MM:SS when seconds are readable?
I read **7:16**
